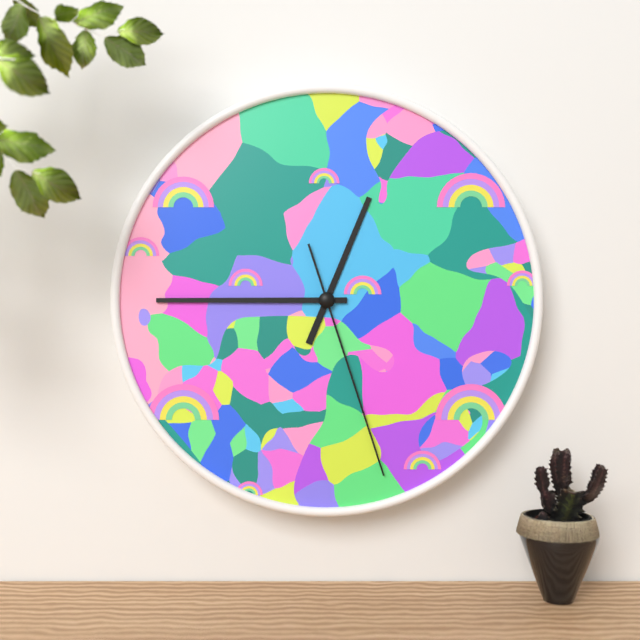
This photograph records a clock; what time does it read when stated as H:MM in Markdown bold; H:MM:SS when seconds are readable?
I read **12:45:27**
